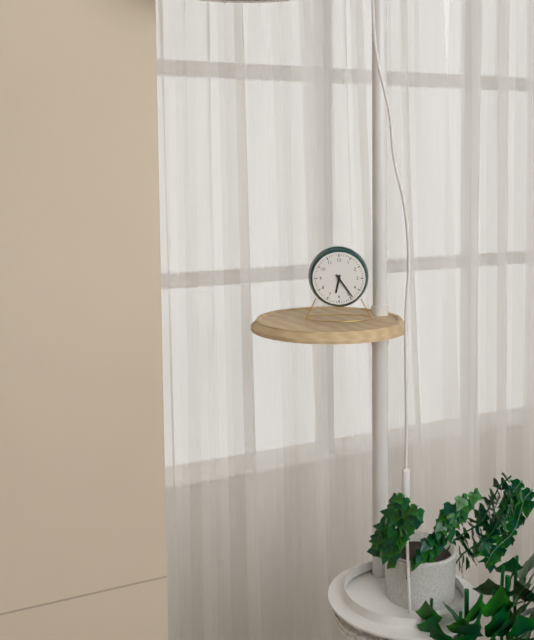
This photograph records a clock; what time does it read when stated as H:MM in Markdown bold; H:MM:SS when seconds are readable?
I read **6:24**
